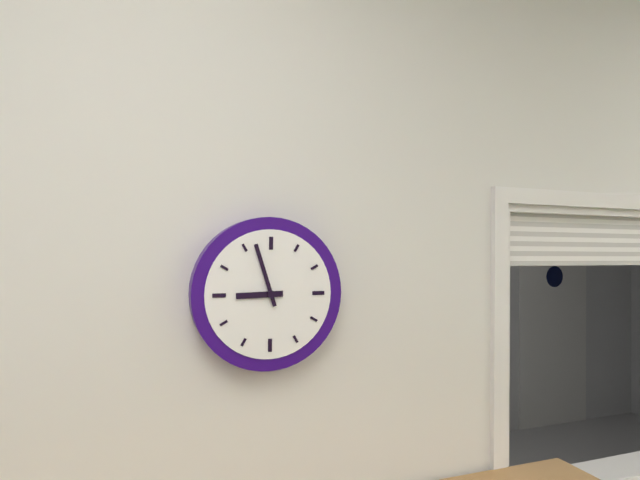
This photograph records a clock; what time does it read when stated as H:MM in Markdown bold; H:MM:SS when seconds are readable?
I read **8:57**
